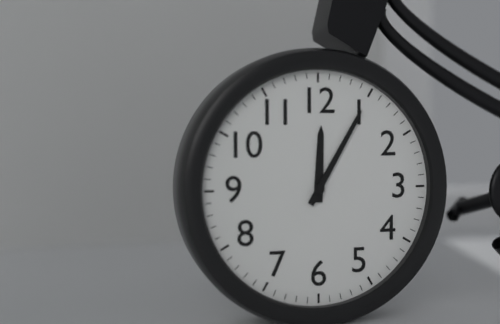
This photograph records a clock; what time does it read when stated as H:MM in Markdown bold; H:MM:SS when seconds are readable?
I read **12:05**
